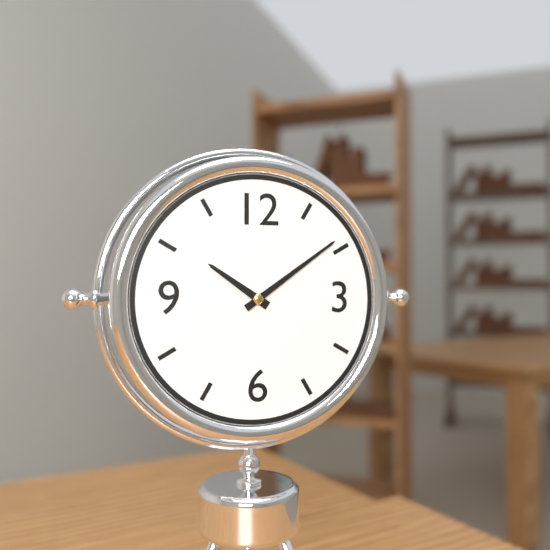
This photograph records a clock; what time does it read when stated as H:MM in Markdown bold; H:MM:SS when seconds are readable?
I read **10:09**
